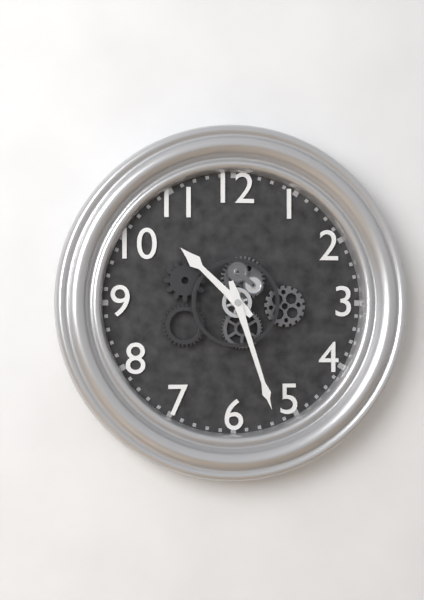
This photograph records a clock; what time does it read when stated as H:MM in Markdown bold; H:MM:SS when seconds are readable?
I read **10:27**
